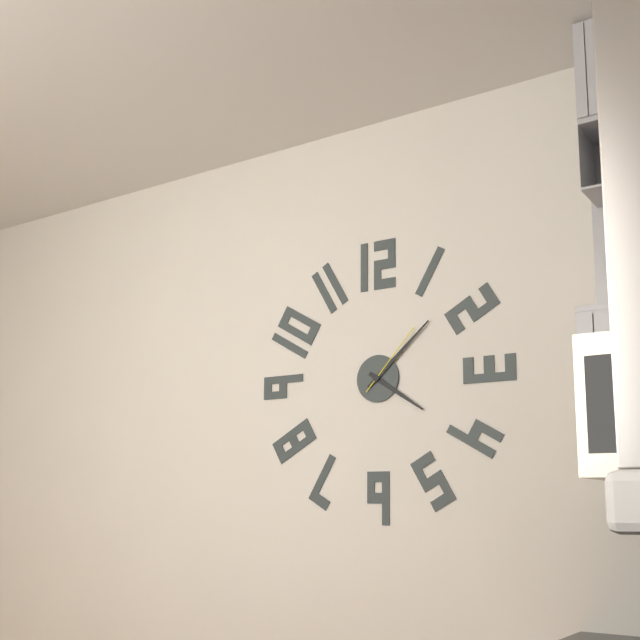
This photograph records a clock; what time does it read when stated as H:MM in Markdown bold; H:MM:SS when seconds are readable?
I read **4:08:07**
